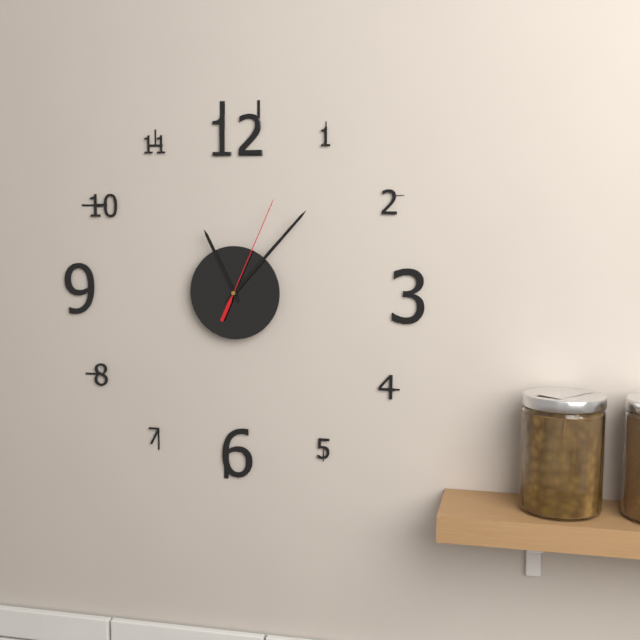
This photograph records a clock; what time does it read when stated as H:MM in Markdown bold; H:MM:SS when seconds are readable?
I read **11:07:04**
